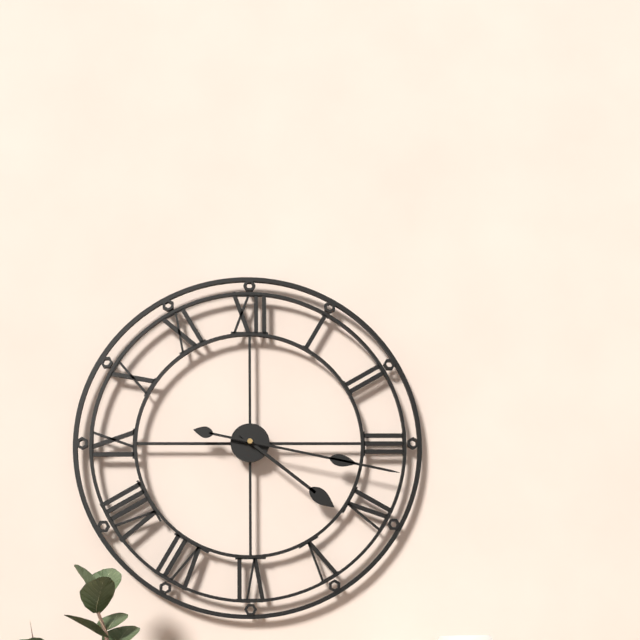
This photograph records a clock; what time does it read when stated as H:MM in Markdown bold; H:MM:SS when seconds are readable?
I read **4:17**
